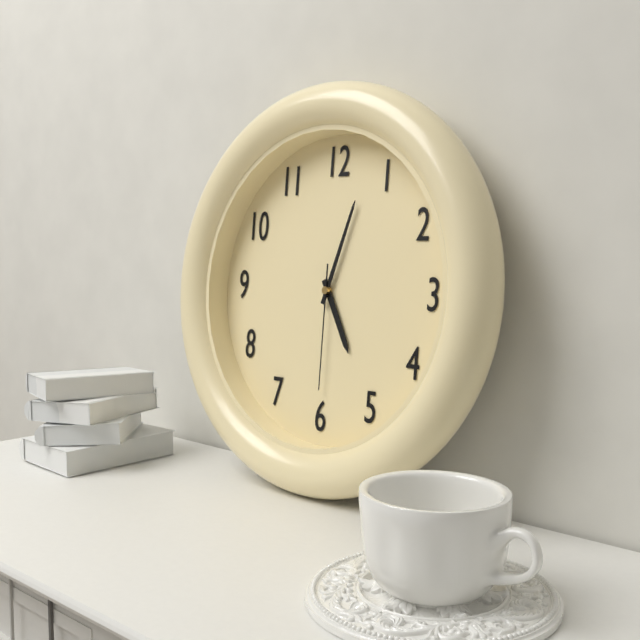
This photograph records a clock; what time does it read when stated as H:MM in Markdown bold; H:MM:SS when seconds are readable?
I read **5:03:30**
